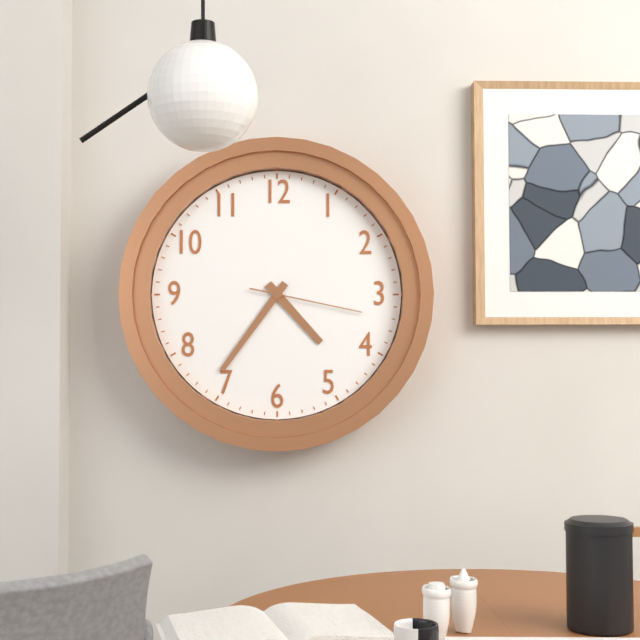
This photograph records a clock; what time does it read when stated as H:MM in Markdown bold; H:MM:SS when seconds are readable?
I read **4:36:17**
